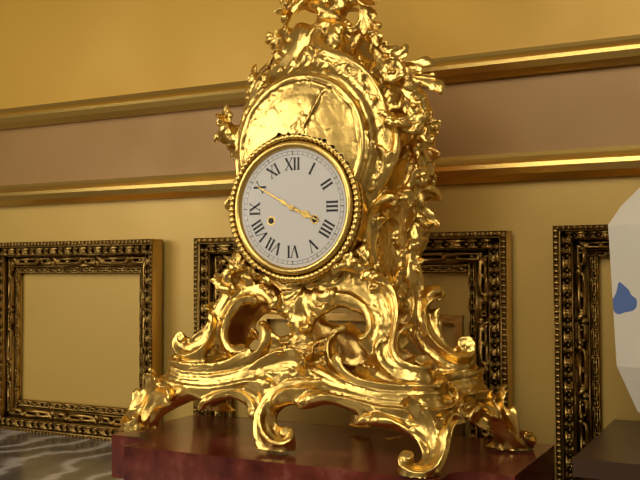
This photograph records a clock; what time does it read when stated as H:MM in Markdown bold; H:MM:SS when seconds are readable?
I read **3:50**
